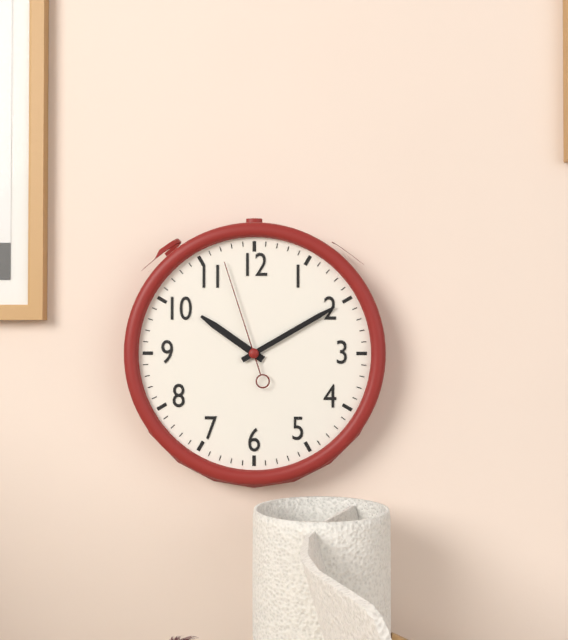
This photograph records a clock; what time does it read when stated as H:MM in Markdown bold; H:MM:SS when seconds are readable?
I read **10:10:57**
